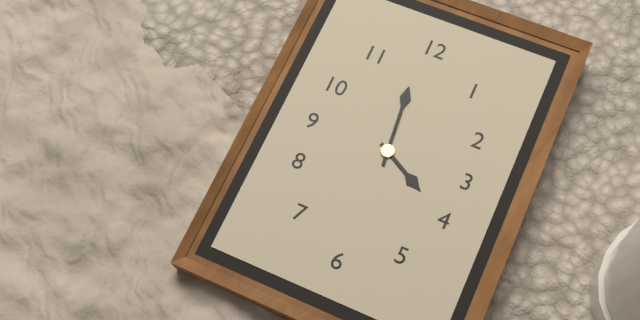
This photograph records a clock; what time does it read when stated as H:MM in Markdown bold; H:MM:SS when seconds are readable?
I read **3:59**
